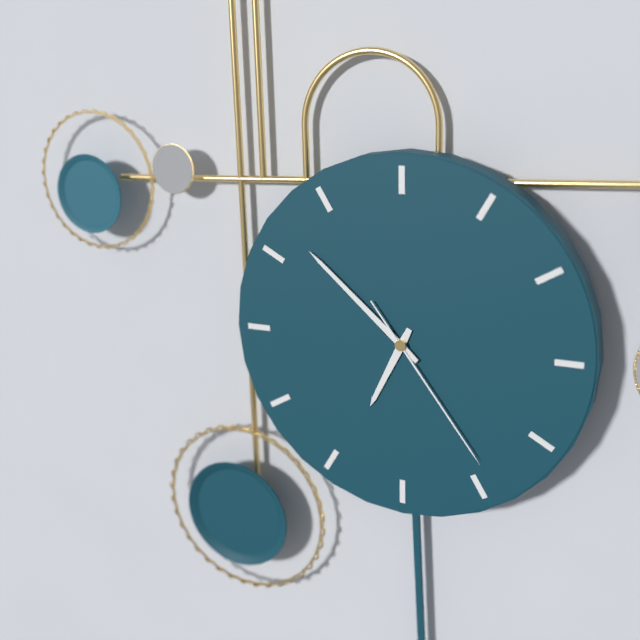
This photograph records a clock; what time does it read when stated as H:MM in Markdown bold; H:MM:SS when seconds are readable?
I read **6:52:24**
